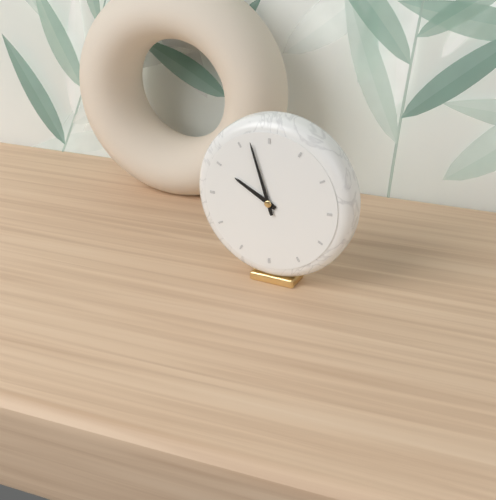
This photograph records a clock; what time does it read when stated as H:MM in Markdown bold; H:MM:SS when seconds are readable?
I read **9:57**
